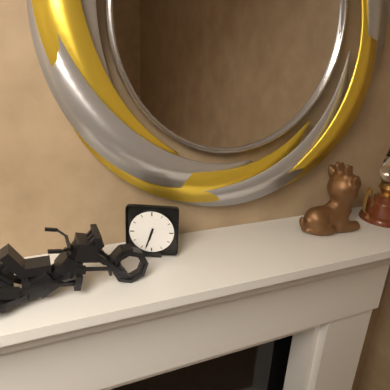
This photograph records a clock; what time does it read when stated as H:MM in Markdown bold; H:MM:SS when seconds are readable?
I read **6:33**
